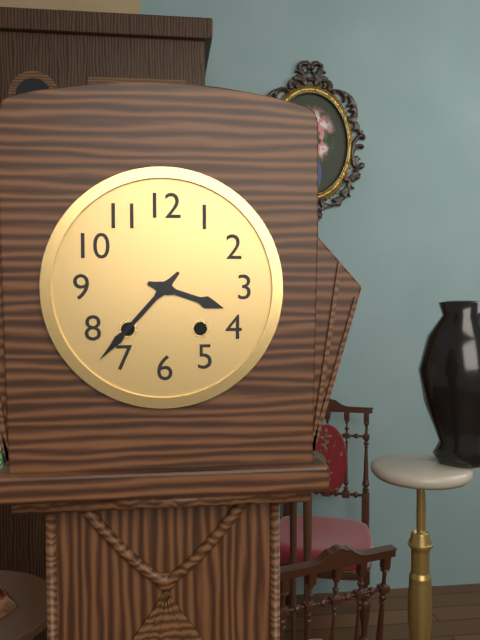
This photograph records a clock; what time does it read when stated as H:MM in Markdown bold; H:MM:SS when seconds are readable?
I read **3:37**
